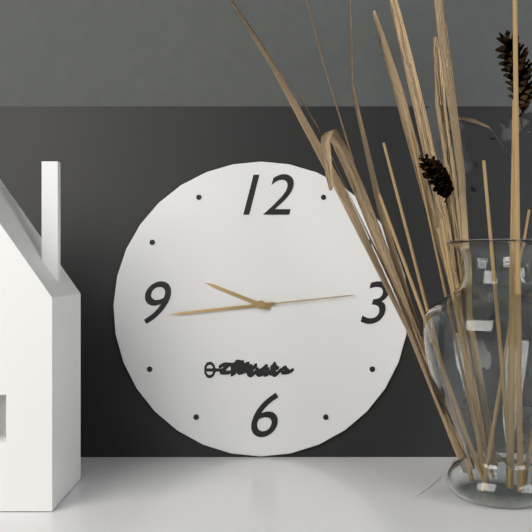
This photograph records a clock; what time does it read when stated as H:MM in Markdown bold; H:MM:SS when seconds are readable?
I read **9:44:14**
